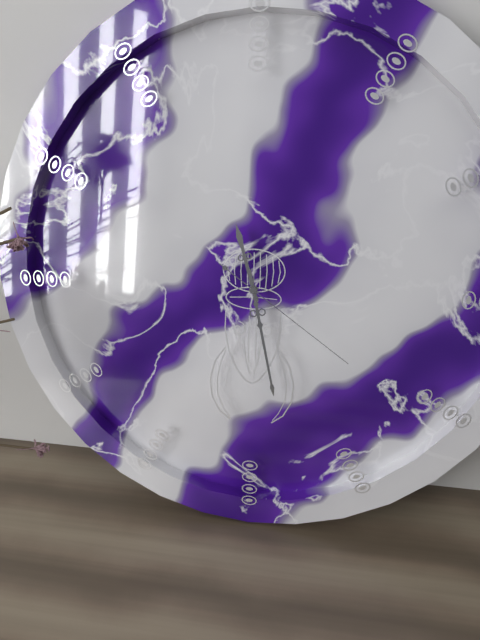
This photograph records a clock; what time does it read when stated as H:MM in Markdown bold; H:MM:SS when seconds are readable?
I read **11:28:21**
